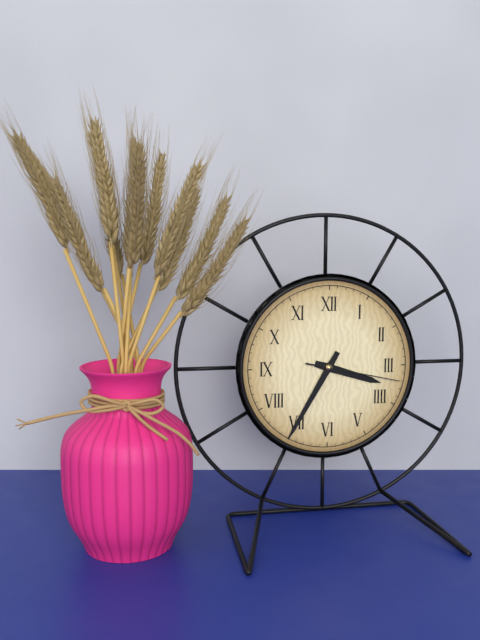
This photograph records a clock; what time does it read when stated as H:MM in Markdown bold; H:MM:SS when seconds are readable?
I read **3:35:17**
